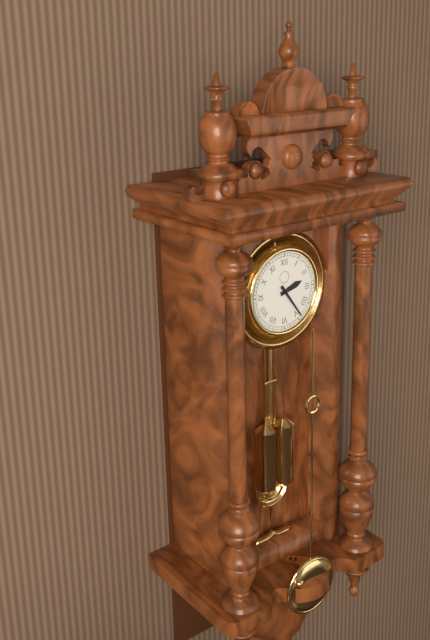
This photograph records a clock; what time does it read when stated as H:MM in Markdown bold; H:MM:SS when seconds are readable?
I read **2:24**
